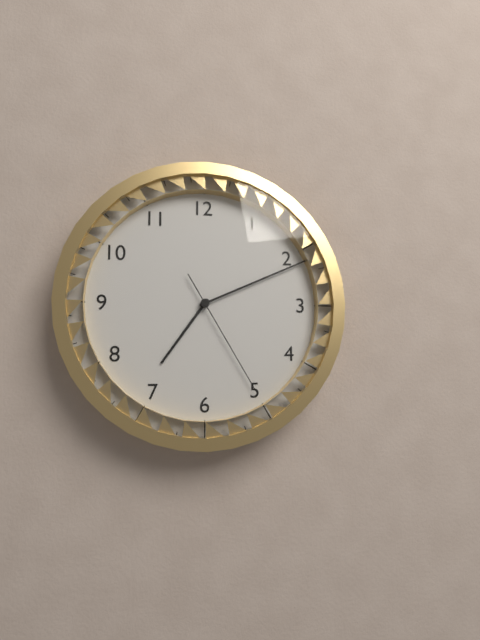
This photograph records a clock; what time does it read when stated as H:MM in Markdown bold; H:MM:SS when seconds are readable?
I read **7:11:25**
